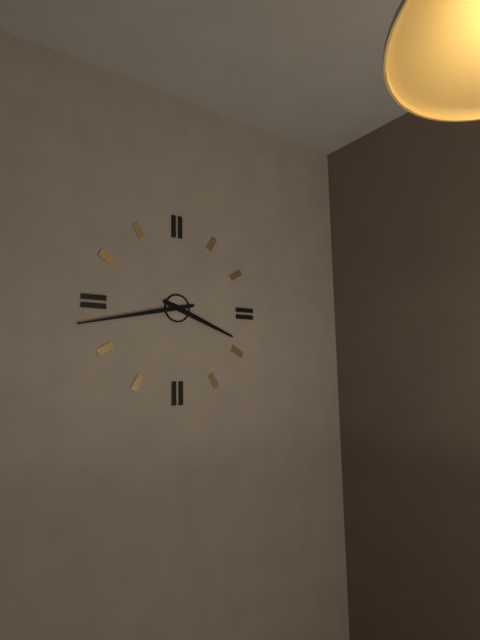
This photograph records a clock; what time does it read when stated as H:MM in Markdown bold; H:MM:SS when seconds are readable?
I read **3:43**
